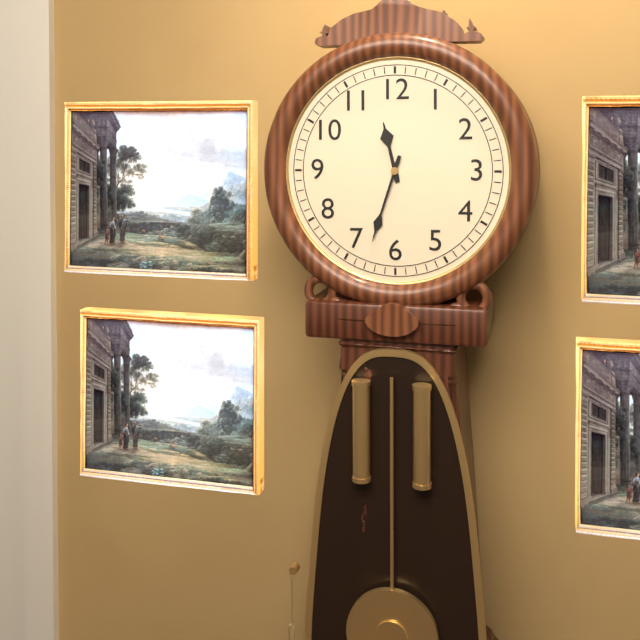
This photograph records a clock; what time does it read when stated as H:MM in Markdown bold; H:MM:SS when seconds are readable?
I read **11:33**
